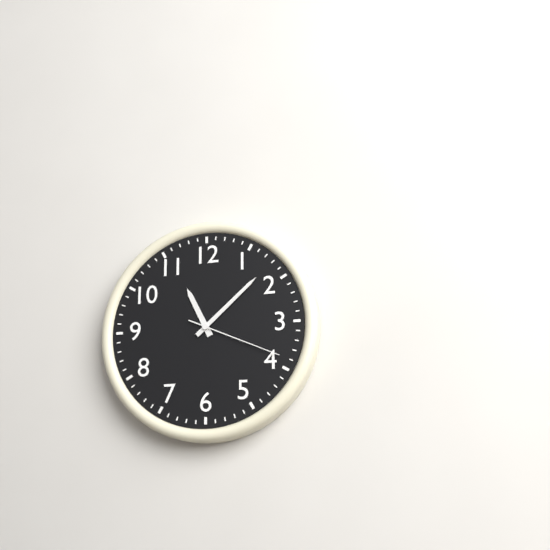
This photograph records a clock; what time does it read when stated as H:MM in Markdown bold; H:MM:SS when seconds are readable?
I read **11:08:19**
